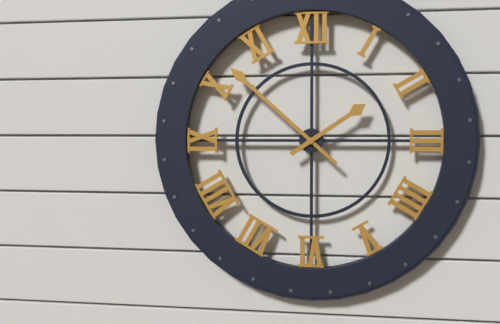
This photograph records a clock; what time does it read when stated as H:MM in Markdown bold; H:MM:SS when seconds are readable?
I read **1:52**
